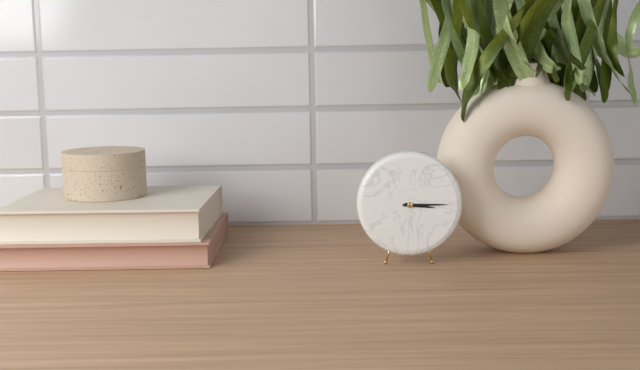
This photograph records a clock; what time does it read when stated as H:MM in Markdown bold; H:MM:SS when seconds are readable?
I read **3:15**
